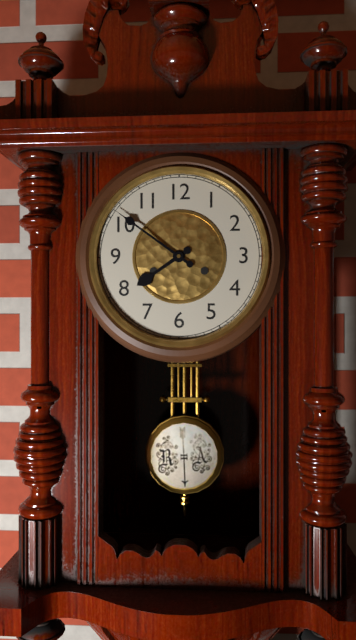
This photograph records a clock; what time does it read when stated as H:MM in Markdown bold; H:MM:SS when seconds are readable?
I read **7:51**
